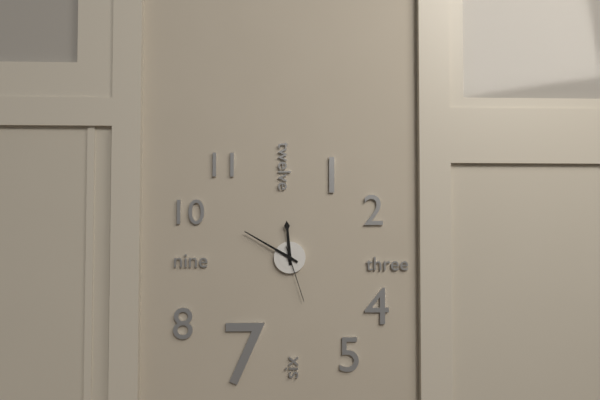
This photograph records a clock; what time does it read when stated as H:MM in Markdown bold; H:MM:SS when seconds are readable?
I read **11:50:27**
